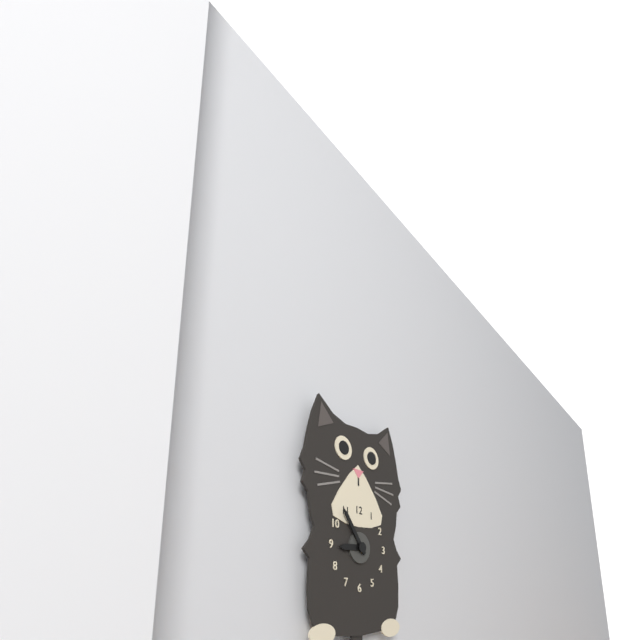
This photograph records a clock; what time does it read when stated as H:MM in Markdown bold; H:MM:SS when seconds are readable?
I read **8:54**
